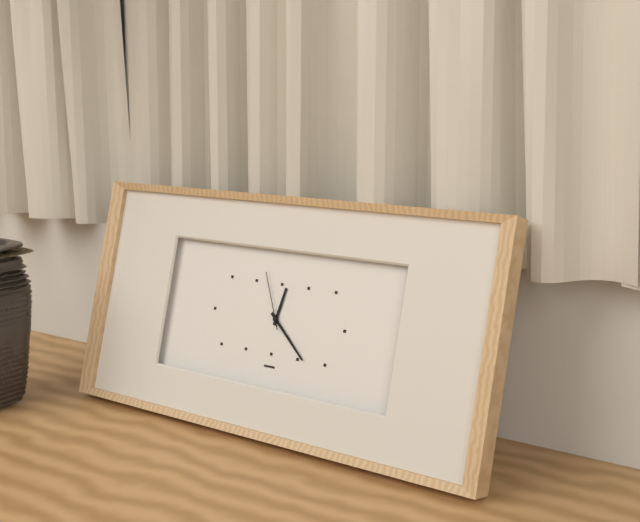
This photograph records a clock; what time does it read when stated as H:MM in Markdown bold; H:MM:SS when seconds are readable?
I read **12:22:56**
